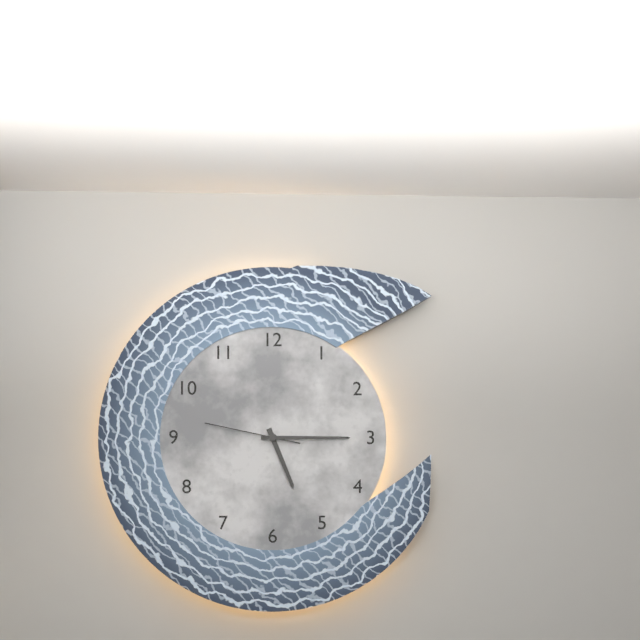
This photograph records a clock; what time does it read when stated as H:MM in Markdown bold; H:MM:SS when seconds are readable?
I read **5:15:47**
